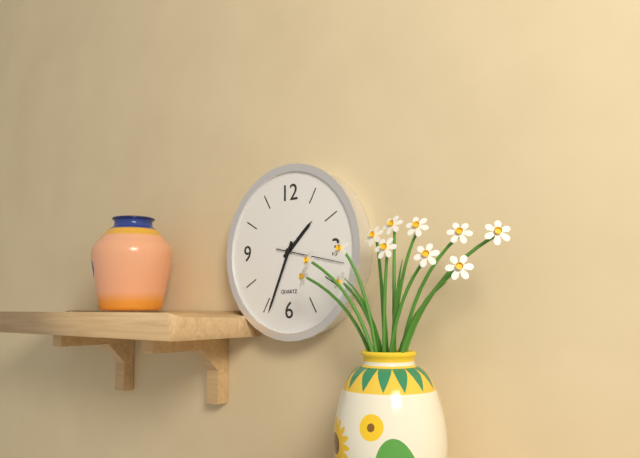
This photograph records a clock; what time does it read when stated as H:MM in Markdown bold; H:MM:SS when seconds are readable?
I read **1:34:17**
